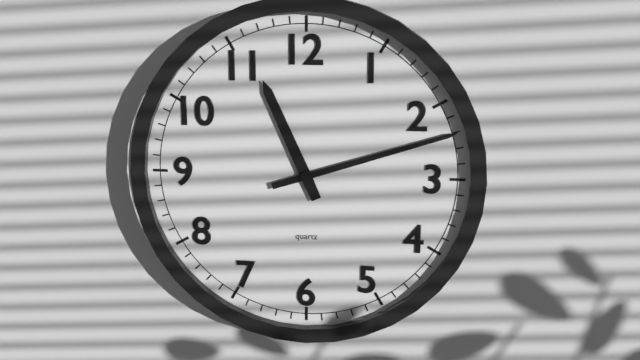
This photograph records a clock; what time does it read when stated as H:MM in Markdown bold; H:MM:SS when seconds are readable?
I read **11:12**
